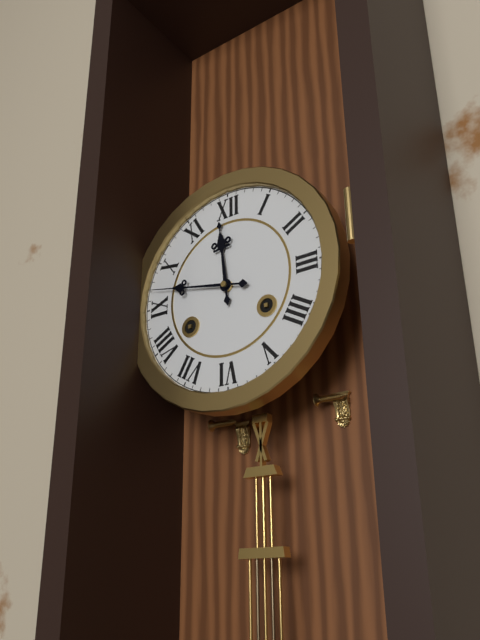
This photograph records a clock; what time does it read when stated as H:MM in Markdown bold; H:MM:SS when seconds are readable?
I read **11:47**
